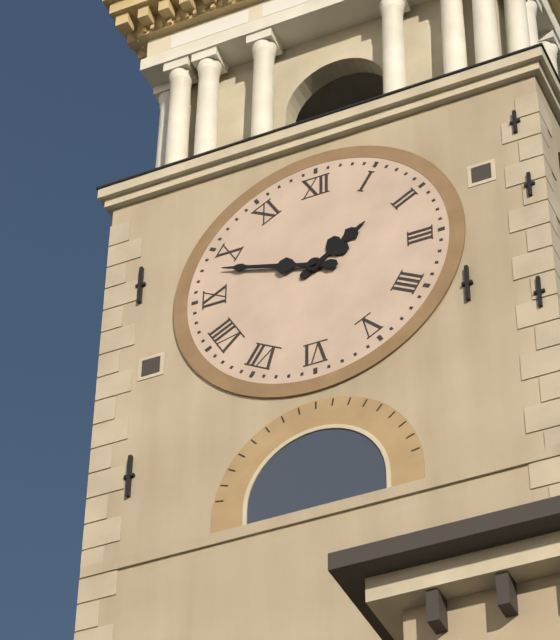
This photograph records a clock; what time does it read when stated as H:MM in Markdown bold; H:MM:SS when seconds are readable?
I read **1:48**
